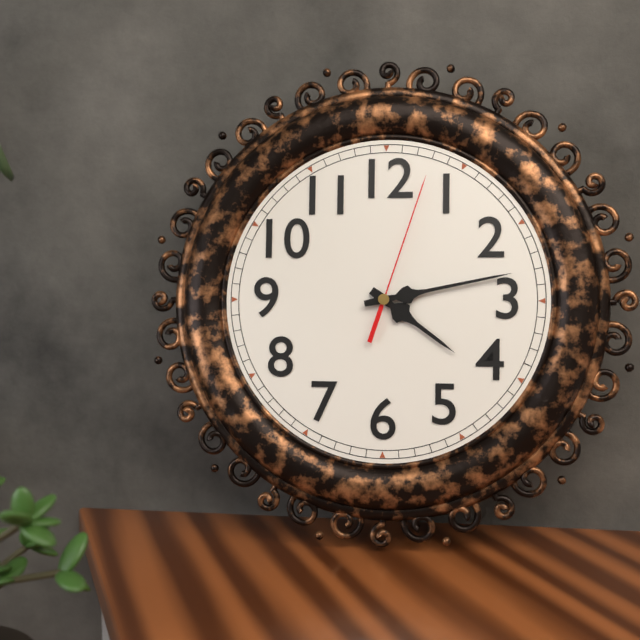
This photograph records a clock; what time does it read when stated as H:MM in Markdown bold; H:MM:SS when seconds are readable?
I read **4:13:03**
